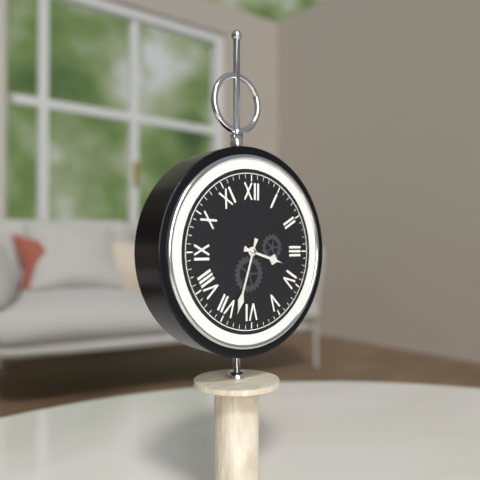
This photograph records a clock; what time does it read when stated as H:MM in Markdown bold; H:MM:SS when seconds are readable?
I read **3:33**
